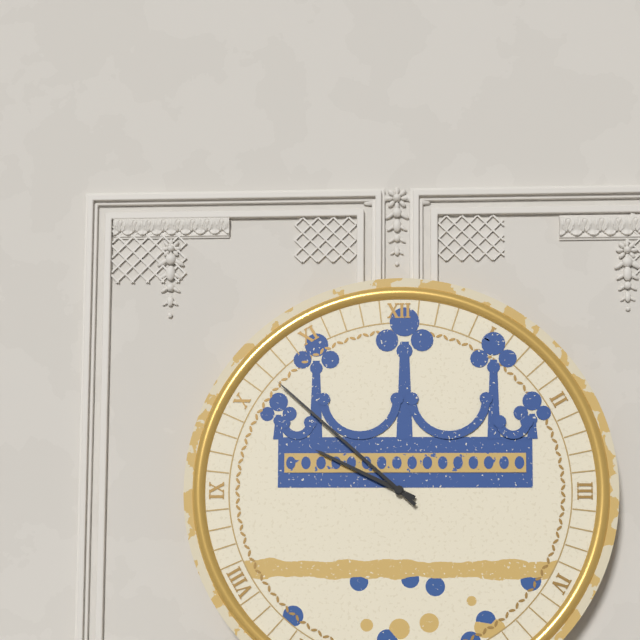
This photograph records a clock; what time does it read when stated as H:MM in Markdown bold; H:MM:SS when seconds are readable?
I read **9:52**
